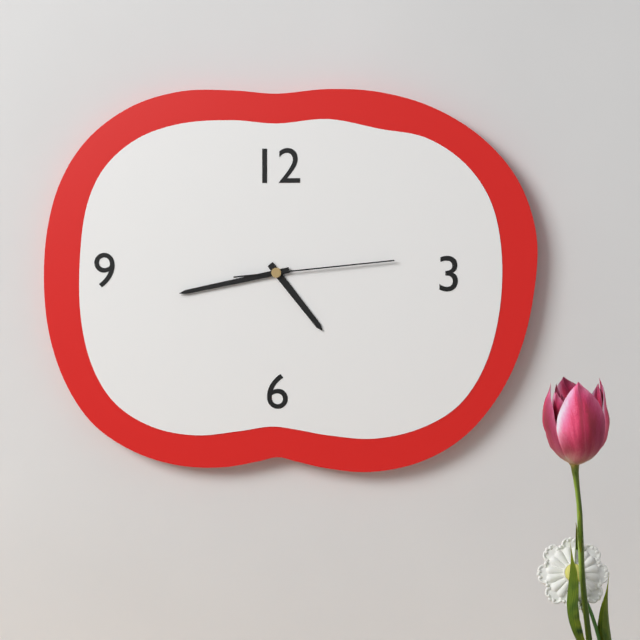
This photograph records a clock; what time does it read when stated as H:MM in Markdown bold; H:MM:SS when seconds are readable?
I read **4:43:14**
